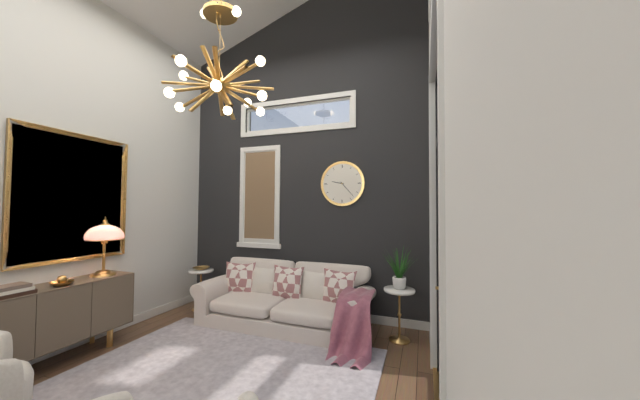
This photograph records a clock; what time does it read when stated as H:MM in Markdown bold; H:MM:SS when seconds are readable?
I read **9:23**
